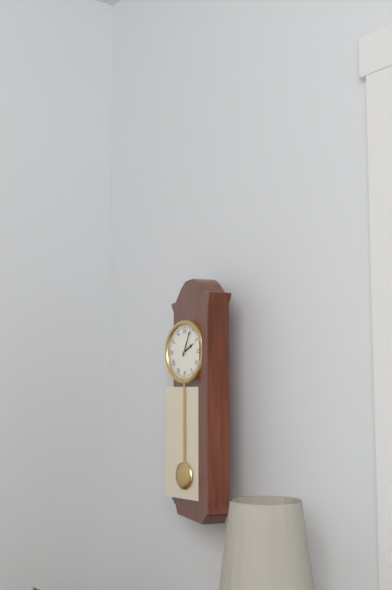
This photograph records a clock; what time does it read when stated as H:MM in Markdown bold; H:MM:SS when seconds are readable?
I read **2:04**
